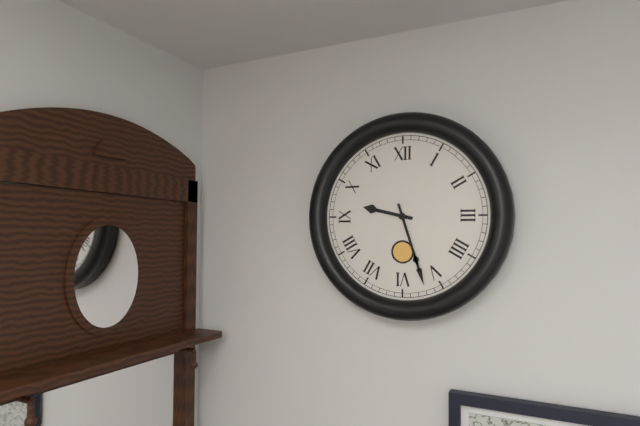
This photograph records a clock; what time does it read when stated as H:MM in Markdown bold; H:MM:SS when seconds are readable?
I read **9:27**
